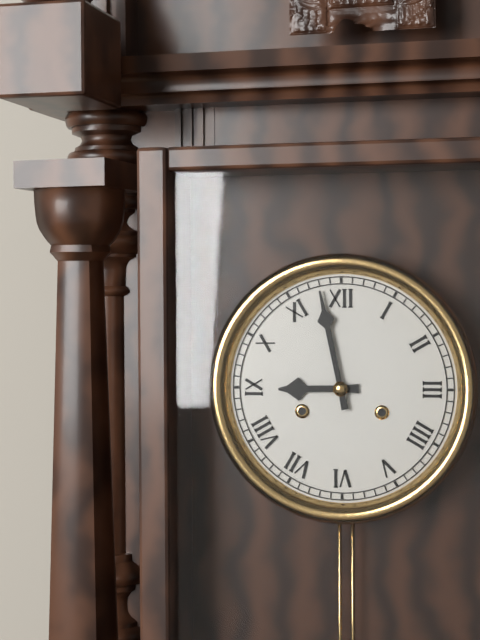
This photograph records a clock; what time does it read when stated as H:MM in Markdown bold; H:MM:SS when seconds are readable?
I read **8:58**
